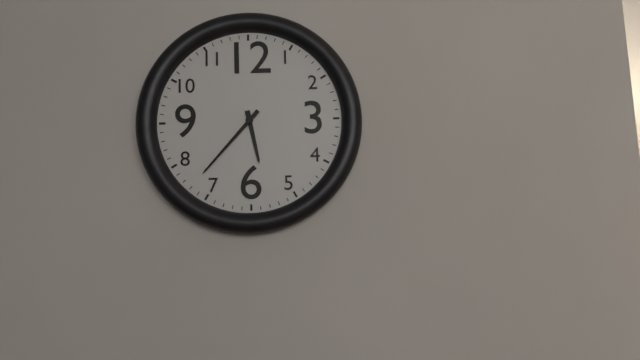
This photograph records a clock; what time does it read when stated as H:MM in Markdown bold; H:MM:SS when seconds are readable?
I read **5:37**
